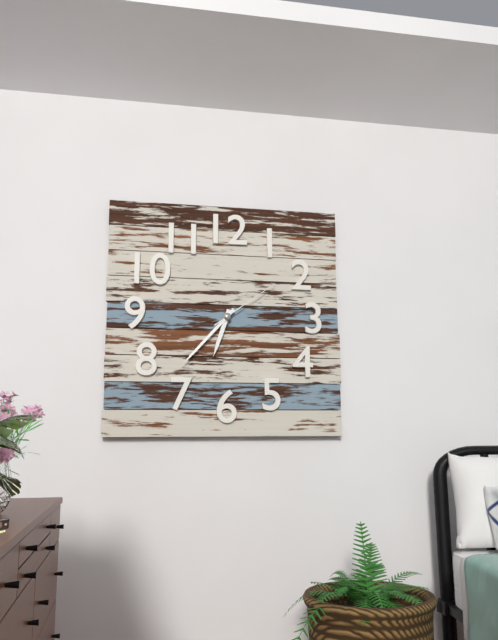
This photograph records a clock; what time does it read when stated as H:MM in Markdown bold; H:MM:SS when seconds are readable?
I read **6:37:09**
